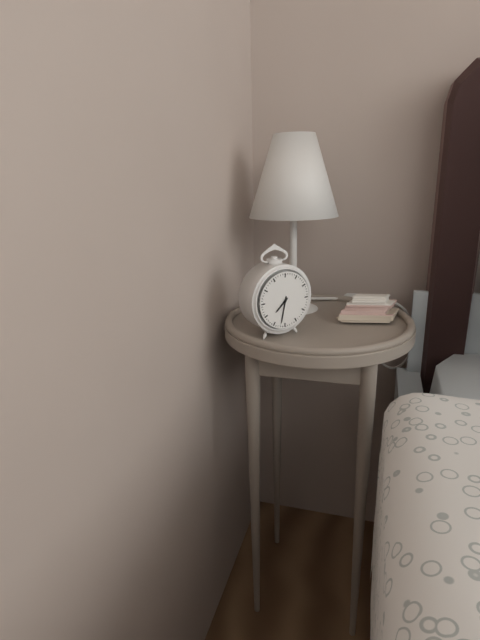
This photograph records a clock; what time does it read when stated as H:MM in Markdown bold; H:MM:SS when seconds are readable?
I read **7:32**
